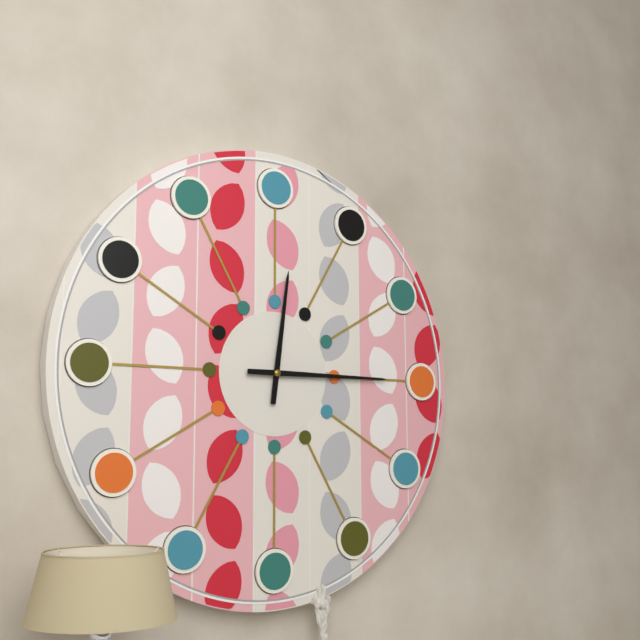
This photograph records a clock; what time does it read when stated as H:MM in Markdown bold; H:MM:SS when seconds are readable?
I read **12:15**
